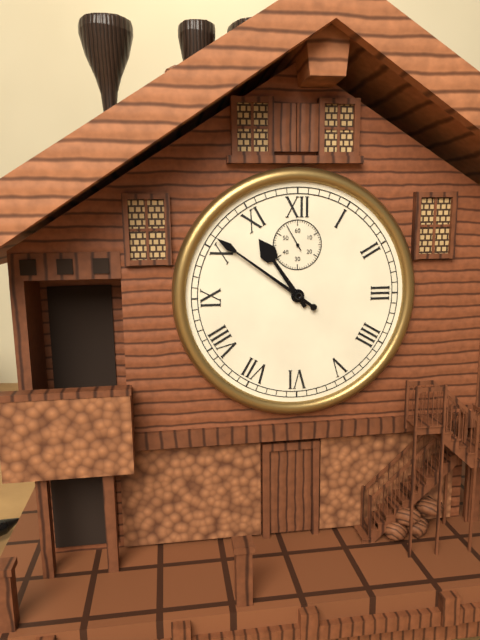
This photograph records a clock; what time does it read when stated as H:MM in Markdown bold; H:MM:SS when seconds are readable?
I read **10:51**
